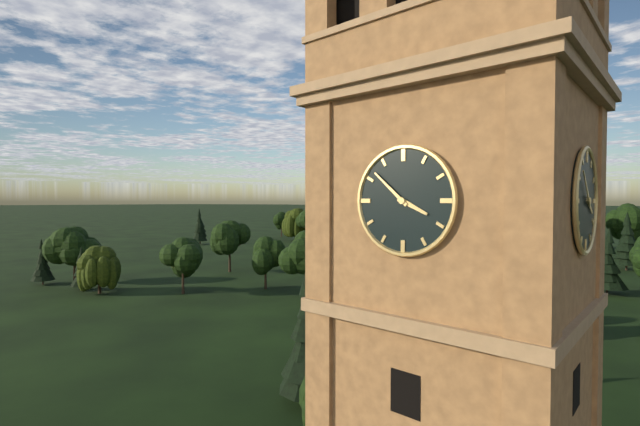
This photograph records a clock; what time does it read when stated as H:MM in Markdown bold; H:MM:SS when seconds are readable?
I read **3:52**
